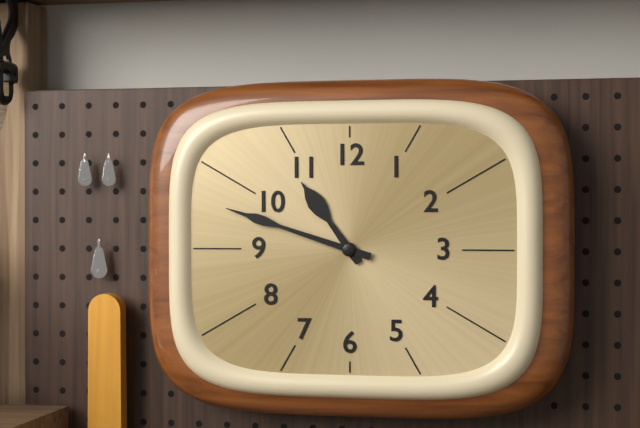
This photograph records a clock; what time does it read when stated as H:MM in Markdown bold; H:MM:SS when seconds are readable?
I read **10:48**
